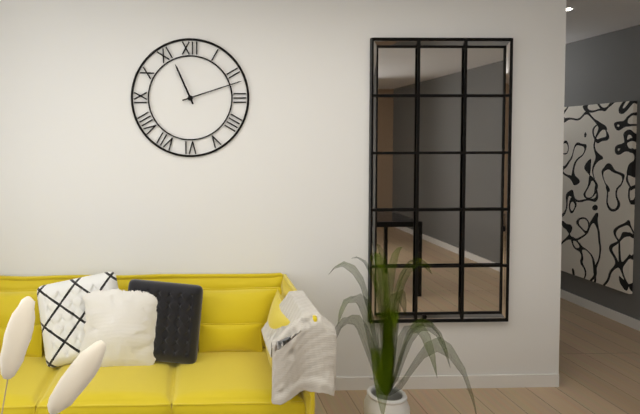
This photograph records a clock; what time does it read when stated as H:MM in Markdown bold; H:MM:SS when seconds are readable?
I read **11:12**
